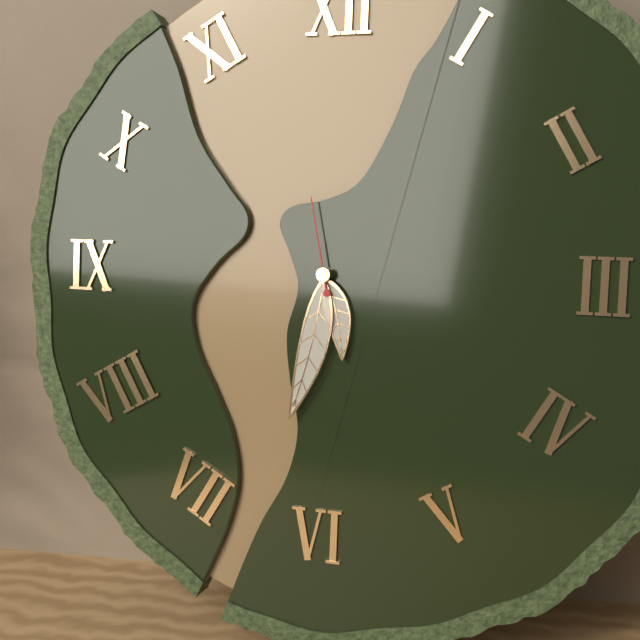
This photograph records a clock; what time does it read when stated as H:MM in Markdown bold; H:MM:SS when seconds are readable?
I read **5:32:58**
